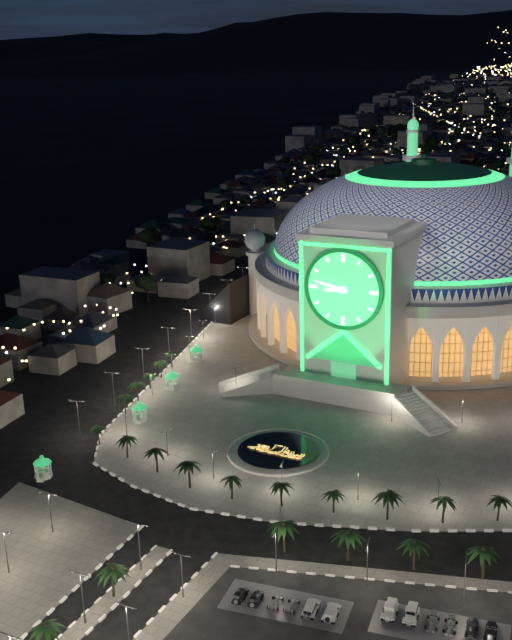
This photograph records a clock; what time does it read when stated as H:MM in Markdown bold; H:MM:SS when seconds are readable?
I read **8:47**
